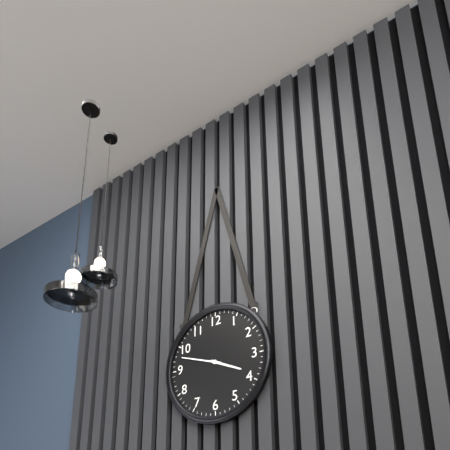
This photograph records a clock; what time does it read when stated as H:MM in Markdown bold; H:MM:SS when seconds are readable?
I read **3:48**
